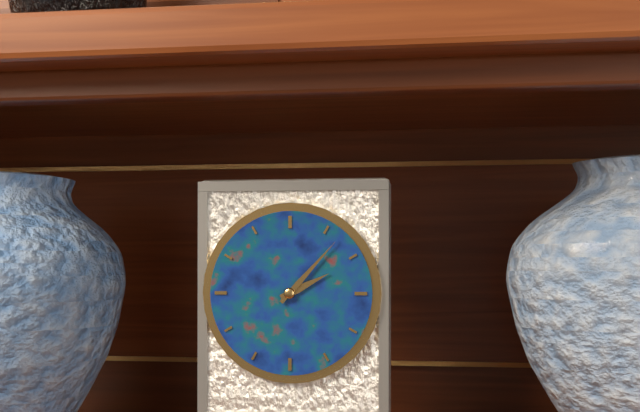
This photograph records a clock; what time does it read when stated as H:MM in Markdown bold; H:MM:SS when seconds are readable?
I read **2:07**
